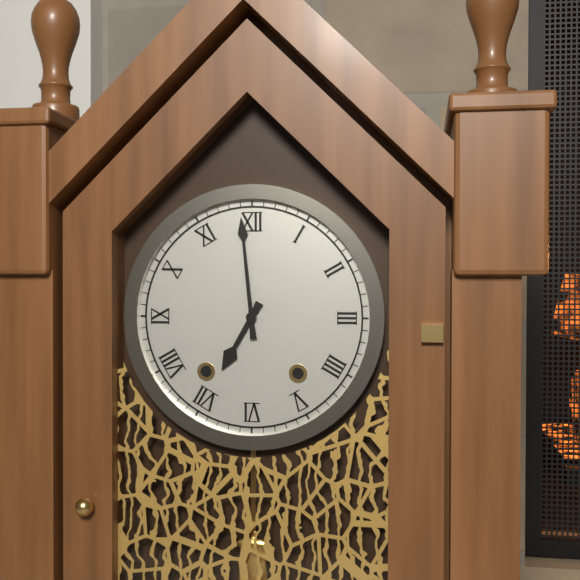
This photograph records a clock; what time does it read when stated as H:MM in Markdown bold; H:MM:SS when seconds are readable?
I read **6:59**
